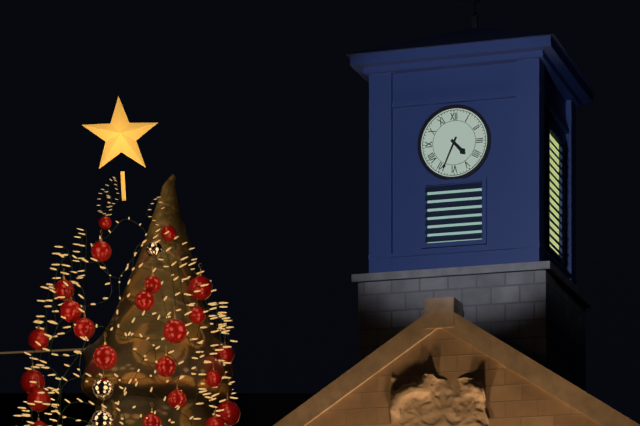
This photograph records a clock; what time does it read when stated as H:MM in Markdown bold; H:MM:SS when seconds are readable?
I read **4:34**
